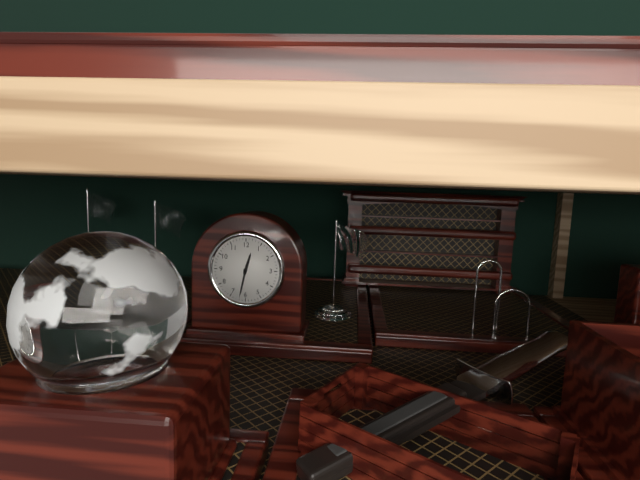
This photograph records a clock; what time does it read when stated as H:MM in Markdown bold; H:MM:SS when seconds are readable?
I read **12:32**
